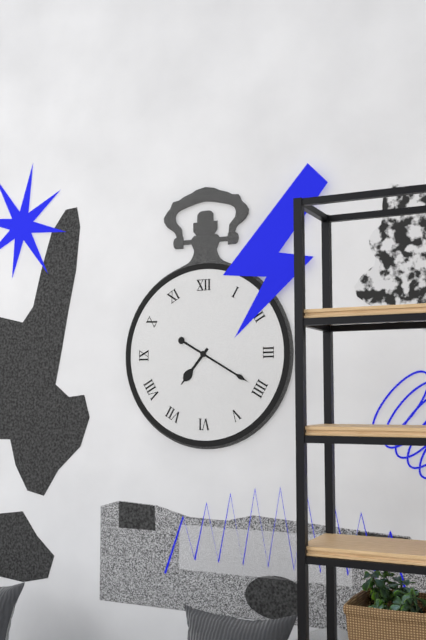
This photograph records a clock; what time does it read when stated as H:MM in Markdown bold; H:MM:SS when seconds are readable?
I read **7:20**
